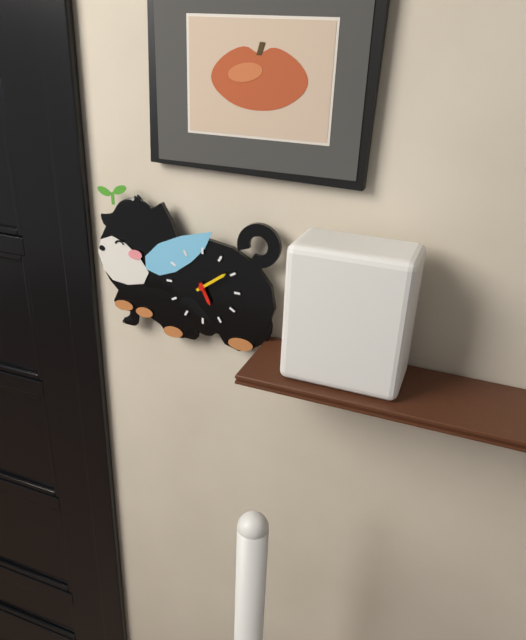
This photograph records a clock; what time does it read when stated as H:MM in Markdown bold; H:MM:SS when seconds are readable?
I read **5:09**
